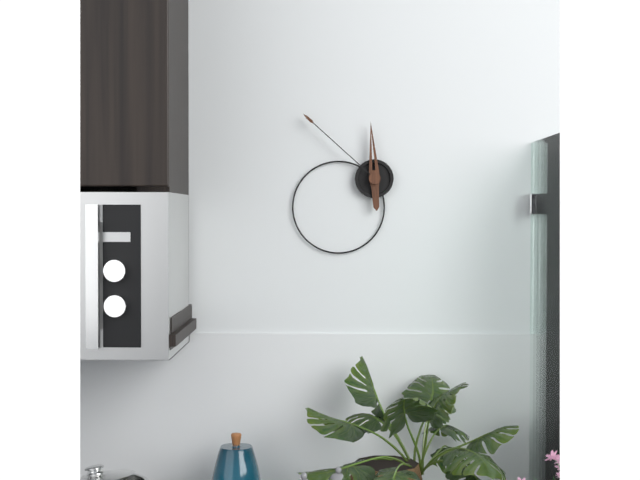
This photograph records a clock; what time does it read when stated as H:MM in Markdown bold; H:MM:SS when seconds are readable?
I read **11:52**
